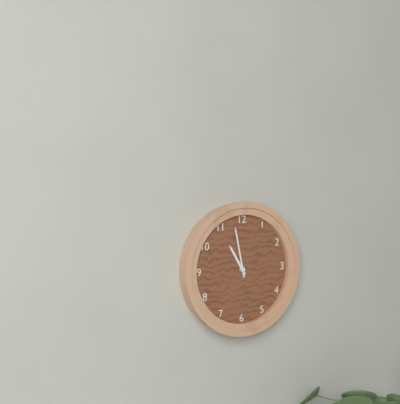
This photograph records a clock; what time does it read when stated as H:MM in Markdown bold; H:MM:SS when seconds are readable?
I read **10:58**
